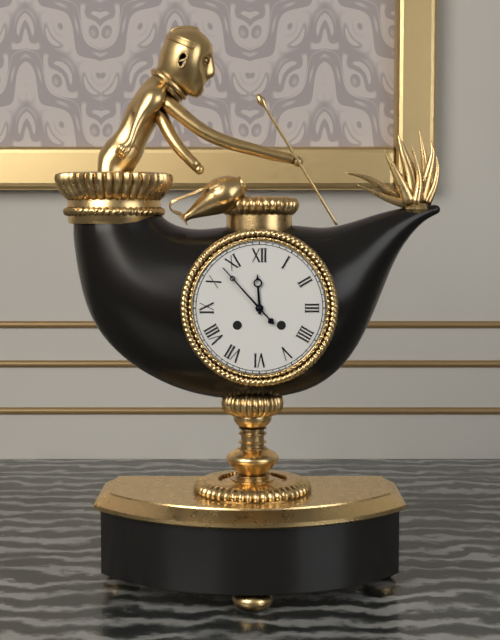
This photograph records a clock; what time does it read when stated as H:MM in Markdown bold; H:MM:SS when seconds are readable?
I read **11:53**
